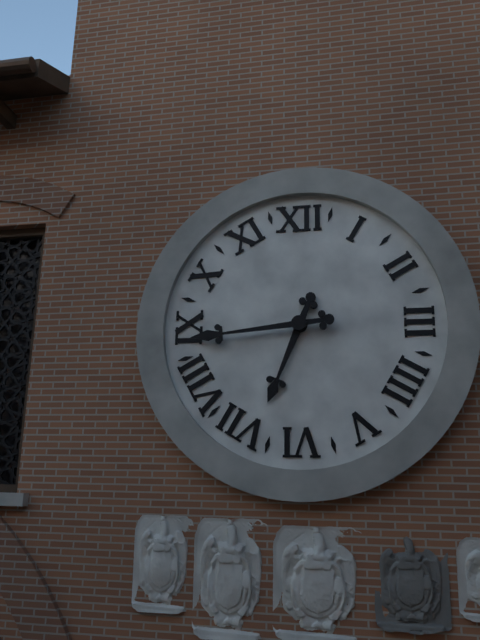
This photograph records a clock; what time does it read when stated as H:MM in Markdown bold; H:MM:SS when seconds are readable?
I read **6:44**
